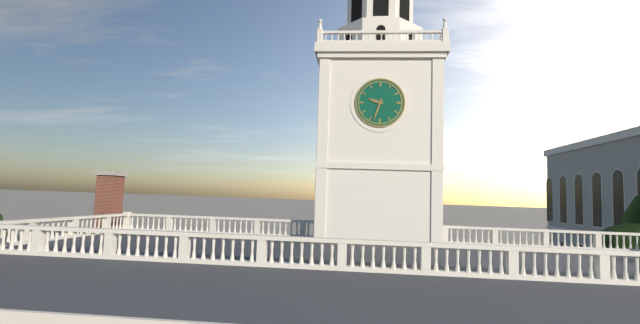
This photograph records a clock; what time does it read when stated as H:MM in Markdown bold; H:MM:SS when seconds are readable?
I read **9:33**
